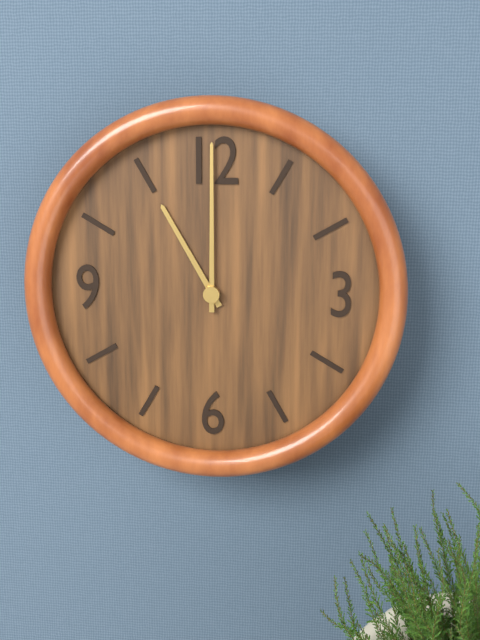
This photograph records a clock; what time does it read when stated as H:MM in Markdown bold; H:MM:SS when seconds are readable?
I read **11:00**
